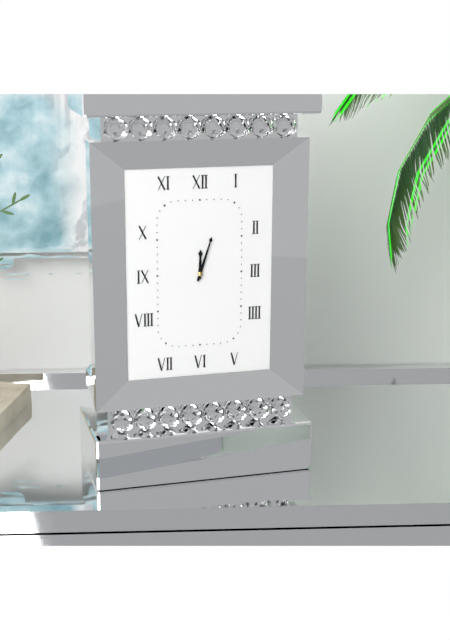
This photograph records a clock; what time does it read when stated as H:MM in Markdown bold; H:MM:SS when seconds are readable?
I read **12:03**
